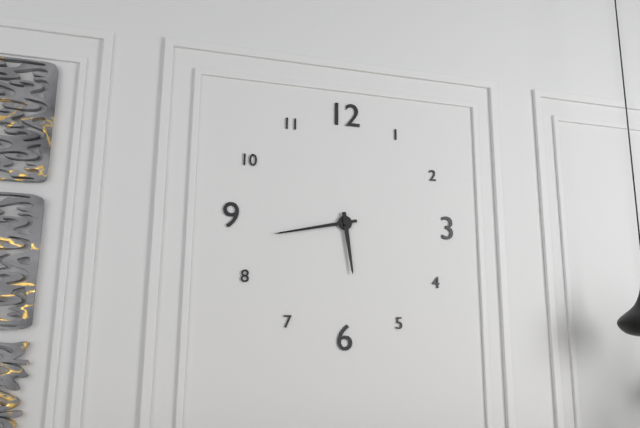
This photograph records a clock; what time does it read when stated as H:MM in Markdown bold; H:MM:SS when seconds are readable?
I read **5:43**
